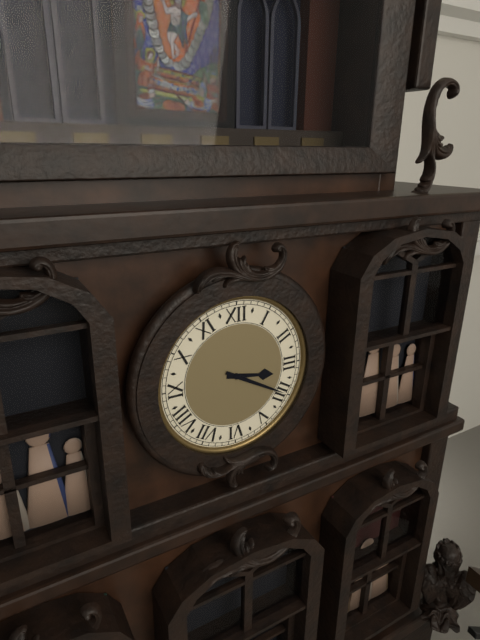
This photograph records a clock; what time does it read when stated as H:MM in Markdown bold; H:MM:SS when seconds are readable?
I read **3:20**
